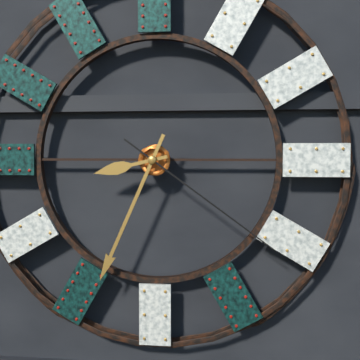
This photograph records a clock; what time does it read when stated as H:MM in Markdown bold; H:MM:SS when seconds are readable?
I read **8:34:21**
